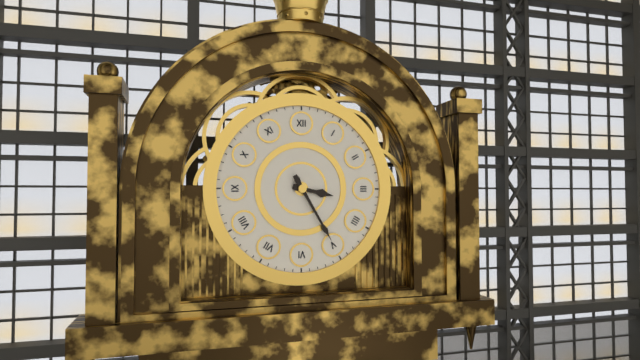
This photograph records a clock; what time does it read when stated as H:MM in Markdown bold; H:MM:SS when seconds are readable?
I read **3:25**
